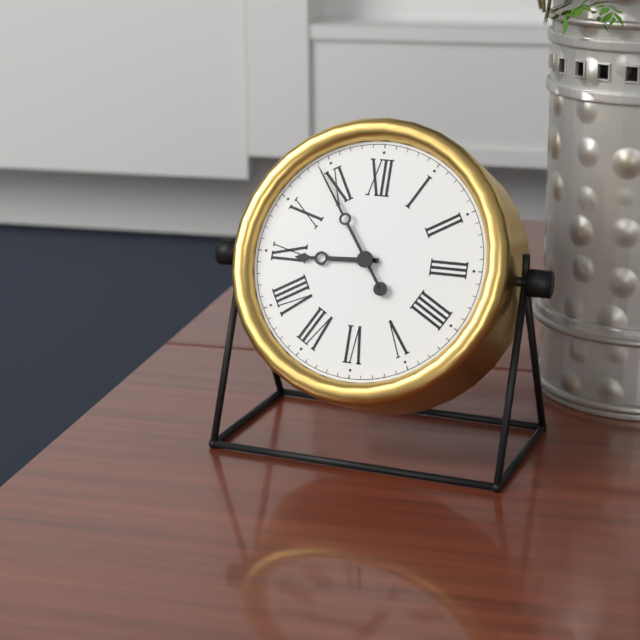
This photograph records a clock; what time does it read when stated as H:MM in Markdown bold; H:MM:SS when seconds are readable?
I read **8:54**
